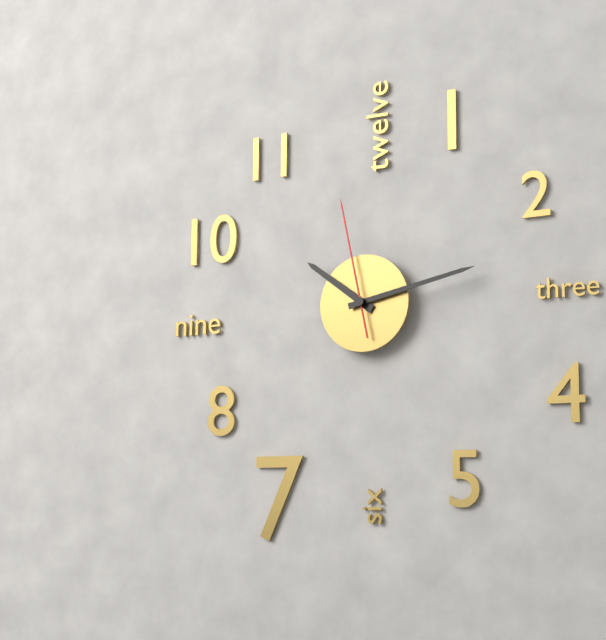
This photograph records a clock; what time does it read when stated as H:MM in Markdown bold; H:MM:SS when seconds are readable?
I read **10:13:58**
